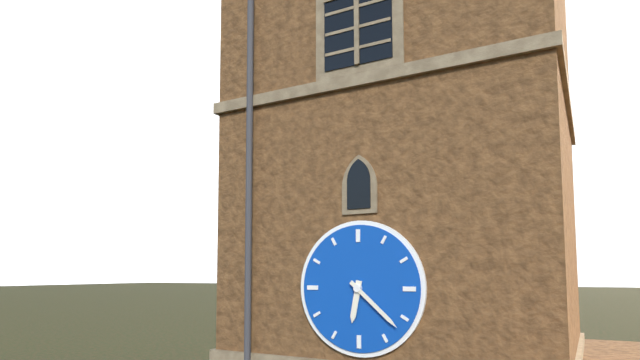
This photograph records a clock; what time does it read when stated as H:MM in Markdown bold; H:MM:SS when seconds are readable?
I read **6:22**
